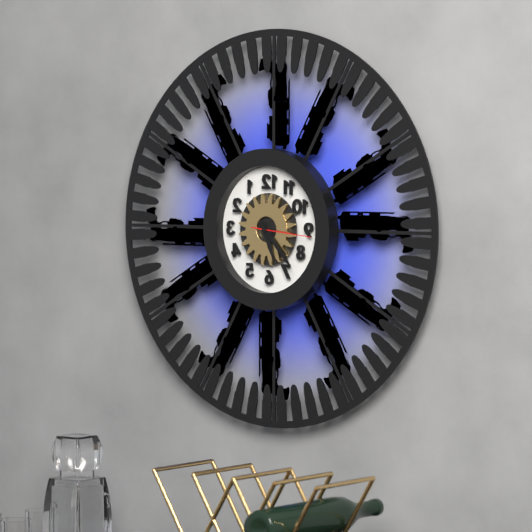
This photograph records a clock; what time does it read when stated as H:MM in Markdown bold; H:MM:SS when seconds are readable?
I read **5:23:16**
